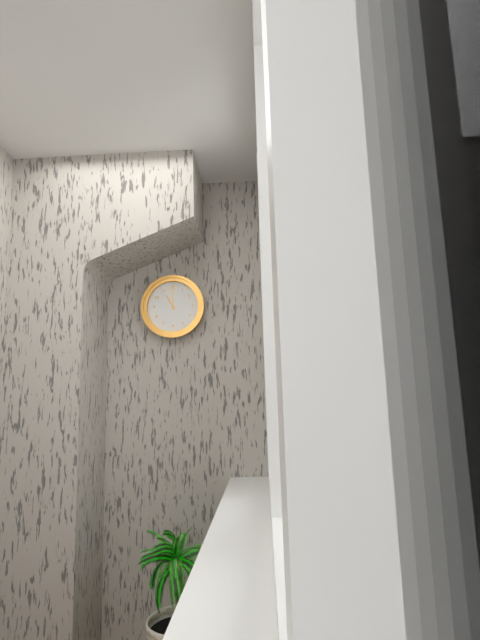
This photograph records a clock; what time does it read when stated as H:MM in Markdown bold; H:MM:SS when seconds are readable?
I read **11:00**
